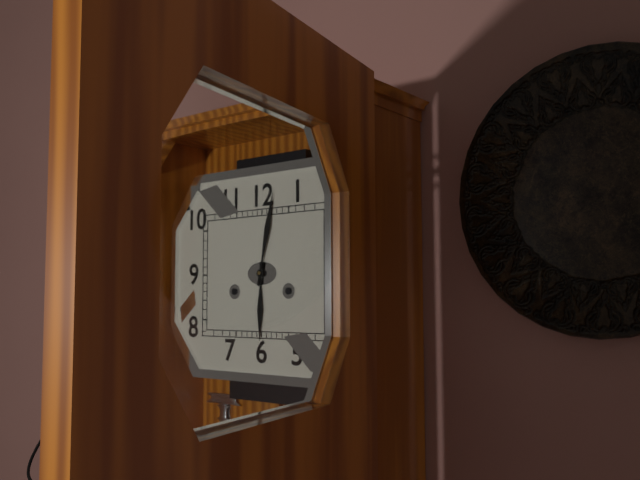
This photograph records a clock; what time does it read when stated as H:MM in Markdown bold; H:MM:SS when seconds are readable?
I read **6:02**
